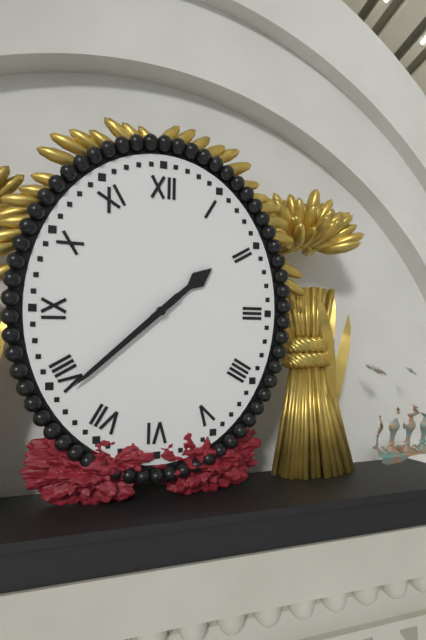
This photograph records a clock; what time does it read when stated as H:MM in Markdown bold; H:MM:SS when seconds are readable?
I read **1:38**
